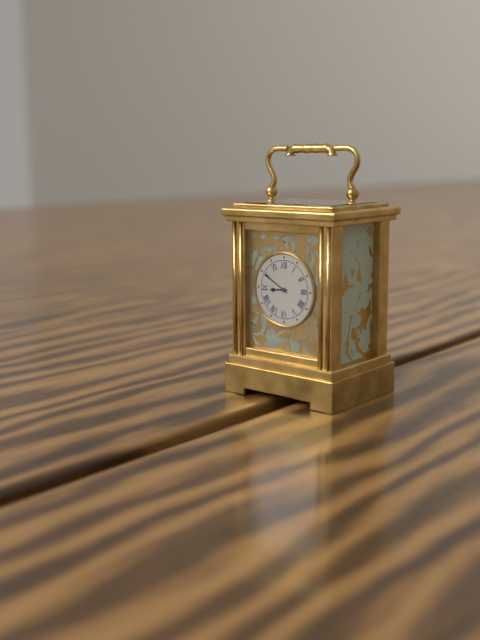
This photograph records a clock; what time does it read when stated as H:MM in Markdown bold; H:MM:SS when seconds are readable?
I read **8:50**
